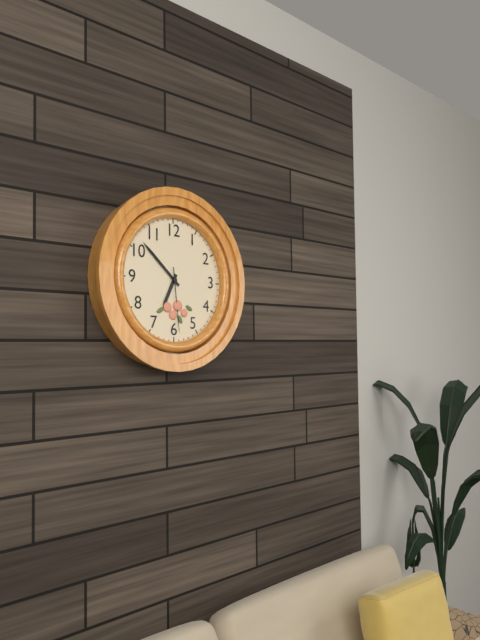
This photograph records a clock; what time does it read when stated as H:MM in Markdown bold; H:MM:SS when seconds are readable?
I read **6:52:29**
